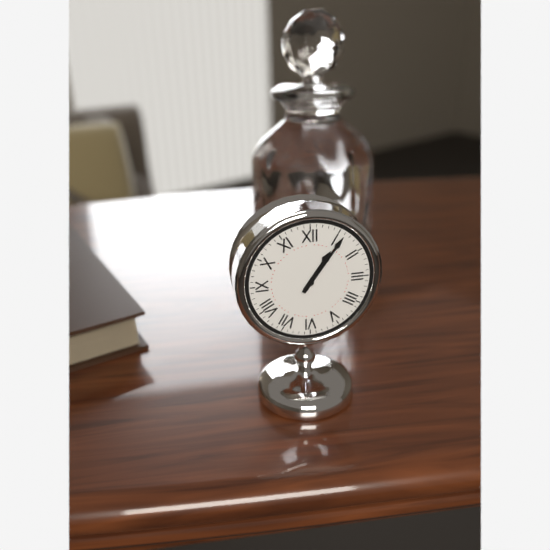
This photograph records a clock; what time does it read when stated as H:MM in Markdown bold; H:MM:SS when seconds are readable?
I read **1:06**
